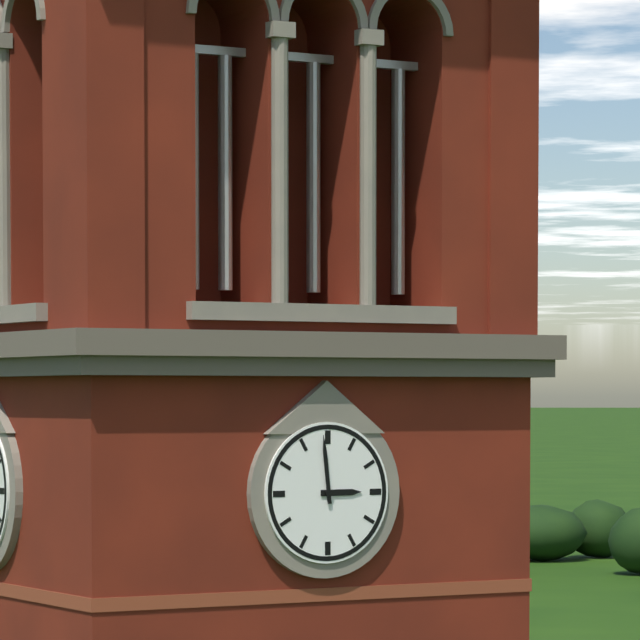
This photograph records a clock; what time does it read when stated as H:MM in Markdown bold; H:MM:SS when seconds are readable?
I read **2:59**
